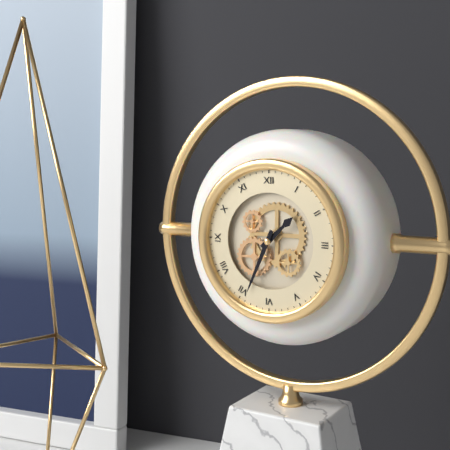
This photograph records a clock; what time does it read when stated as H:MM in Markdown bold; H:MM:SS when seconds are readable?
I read **1:34**
